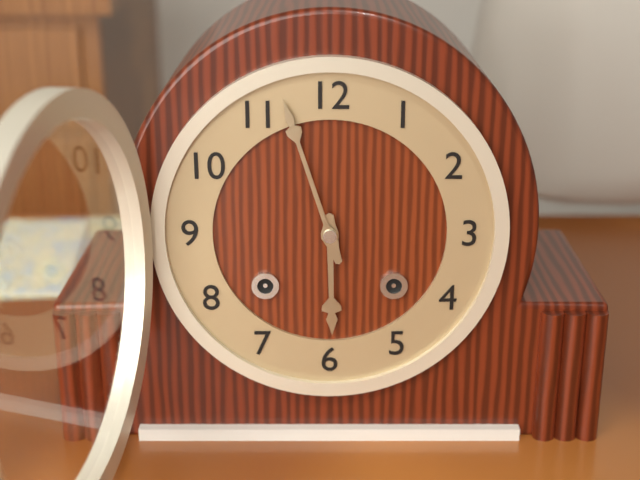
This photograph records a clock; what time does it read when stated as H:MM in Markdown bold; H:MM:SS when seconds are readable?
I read **5:57**
